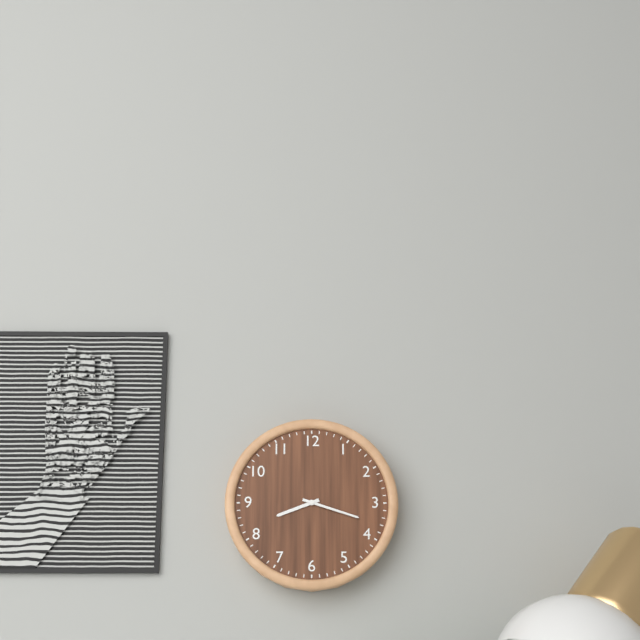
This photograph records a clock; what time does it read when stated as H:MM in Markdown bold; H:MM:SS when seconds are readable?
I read **8:18**
